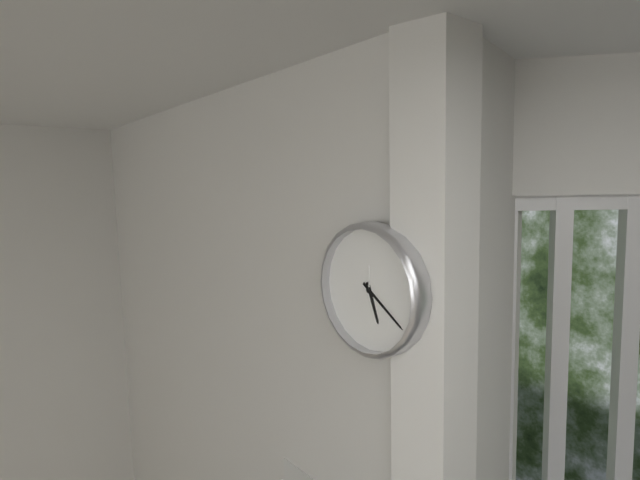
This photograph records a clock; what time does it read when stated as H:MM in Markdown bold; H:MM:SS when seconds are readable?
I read **5:21**
